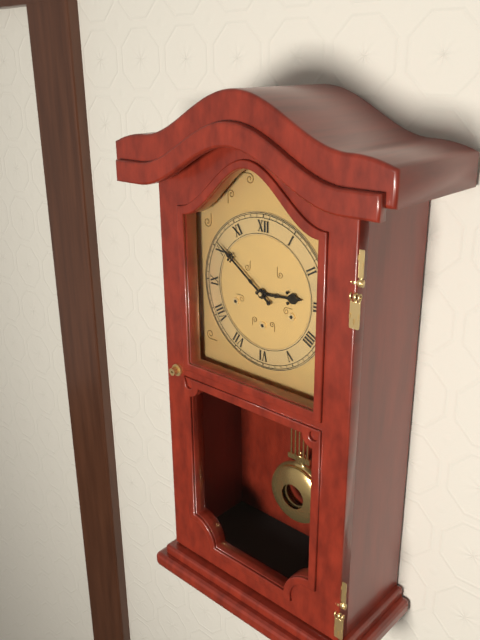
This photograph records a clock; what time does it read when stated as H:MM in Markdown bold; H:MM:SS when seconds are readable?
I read **2:51**
